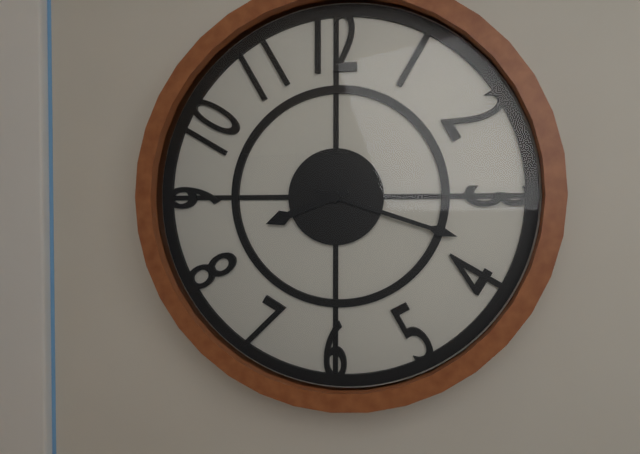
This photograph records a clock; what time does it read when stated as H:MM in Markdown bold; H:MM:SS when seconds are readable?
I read **8:18**
